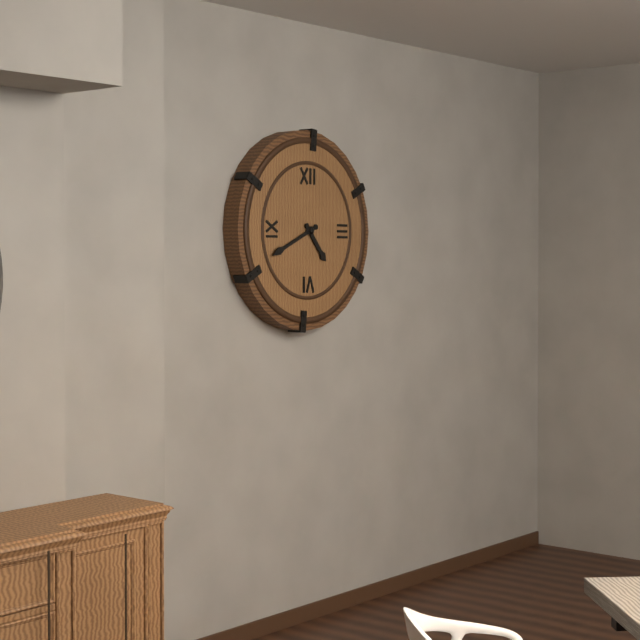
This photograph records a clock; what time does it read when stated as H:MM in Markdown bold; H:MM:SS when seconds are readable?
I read **4:41**
